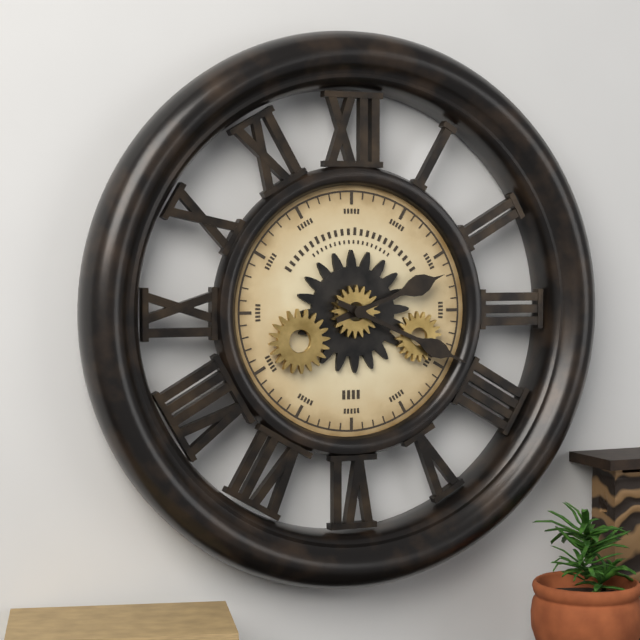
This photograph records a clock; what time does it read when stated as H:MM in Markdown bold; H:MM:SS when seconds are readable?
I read **2:19**
